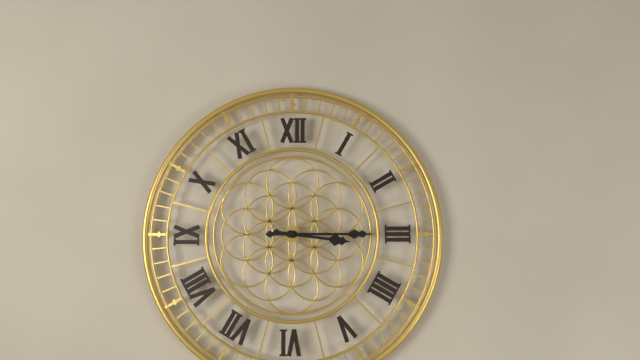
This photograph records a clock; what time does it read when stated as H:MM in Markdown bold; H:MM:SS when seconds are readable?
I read **3:15**
